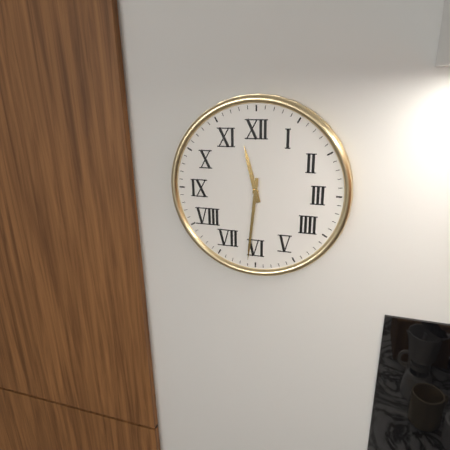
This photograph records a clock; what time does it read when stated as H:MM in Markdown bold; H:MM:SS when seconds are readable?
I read **11:31**
